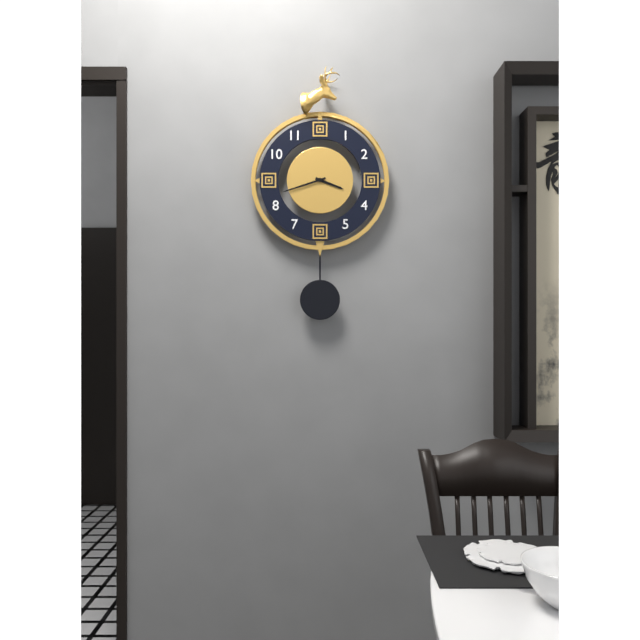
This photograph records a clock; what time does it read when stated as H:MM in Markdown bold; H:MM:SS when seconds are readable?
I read **3:42**
